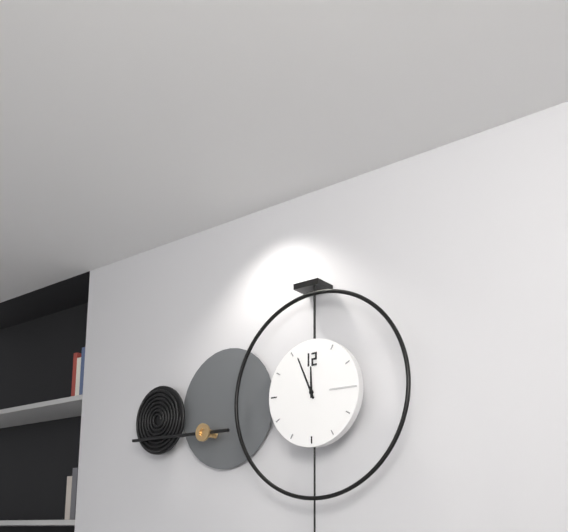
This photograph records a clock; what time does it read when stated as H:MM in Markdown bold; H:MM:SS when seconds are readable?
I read **11:56**
